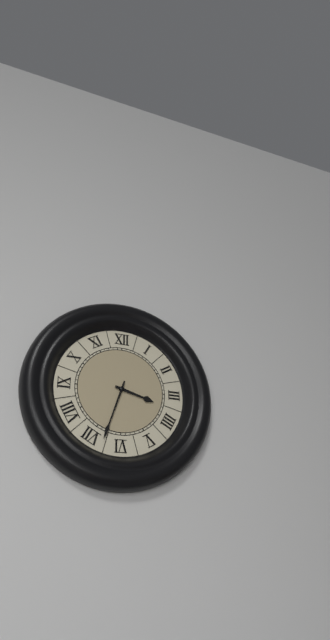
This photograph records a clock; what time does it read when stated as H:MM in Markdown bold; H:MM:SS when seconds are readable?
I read **3:33**
